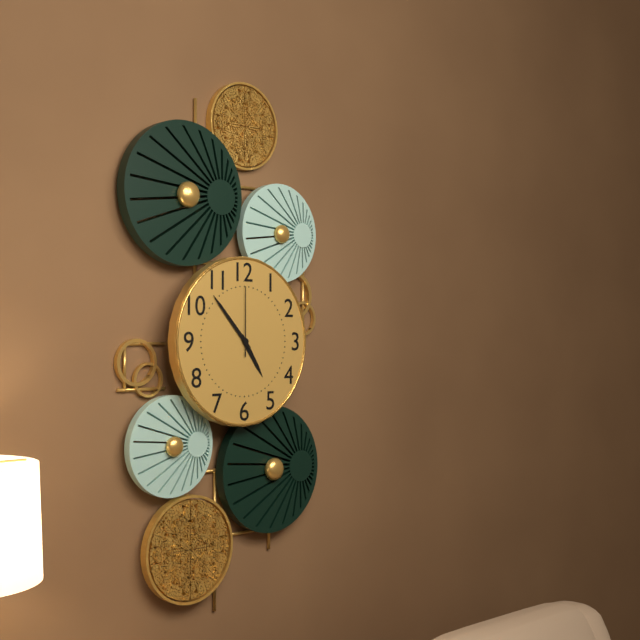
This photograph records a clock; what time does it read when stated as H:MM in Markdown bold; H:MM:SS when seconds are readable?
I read **4:53:00**
